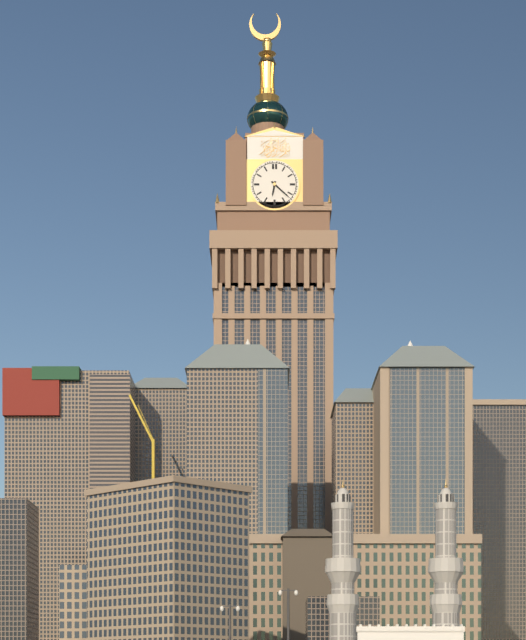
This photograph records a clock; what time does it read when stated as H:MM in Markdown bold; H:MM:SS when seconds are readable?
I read **6:22**
